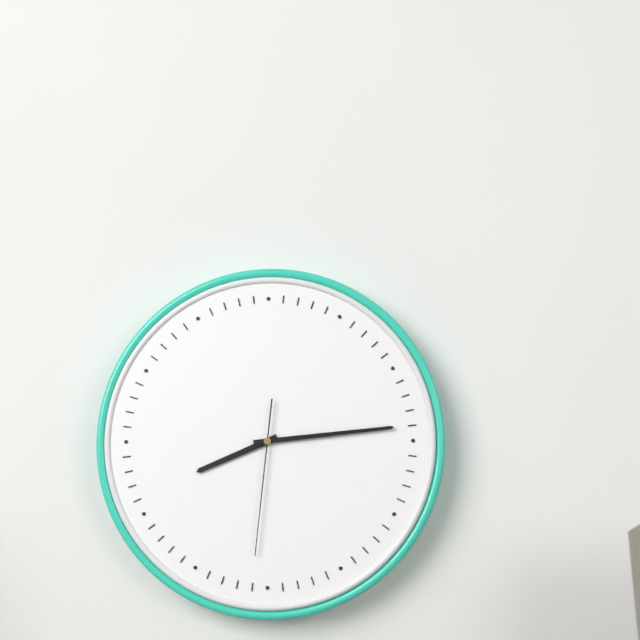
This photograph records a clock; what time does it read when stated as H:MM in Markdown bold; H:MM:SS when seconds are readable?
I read **8:14:31**
